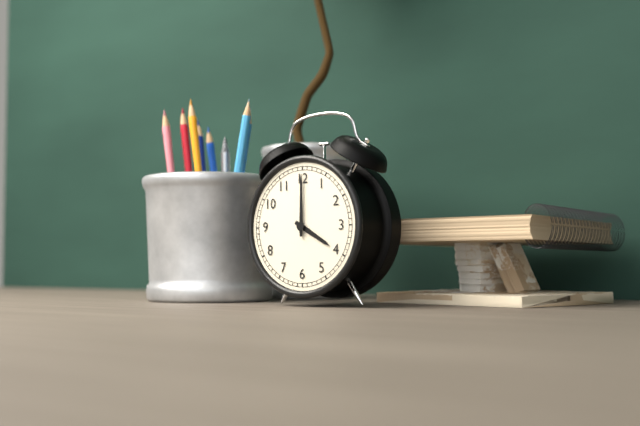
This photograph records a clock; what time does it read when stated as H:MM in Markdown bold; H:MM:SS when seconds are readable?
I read **4:00**
